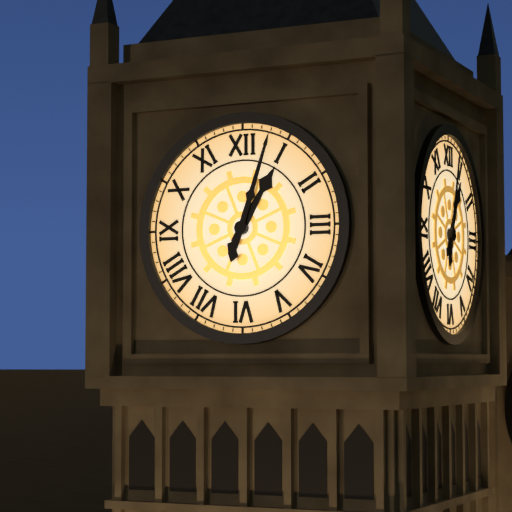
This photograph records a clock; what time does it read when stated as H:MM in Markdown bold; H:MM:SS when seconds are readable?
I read **1:03**
